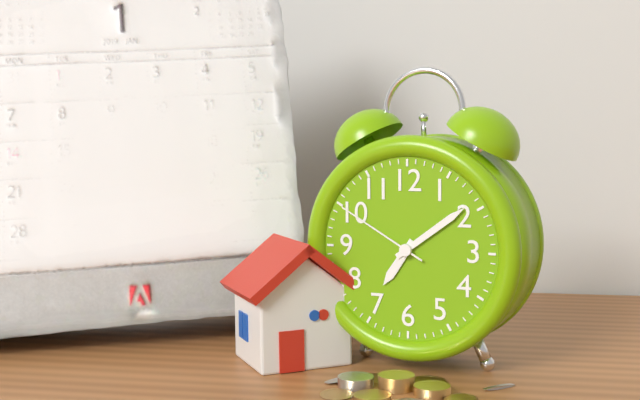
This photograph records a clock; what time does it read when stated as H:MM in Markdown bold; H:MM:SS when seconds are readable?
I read **7:09:50**
